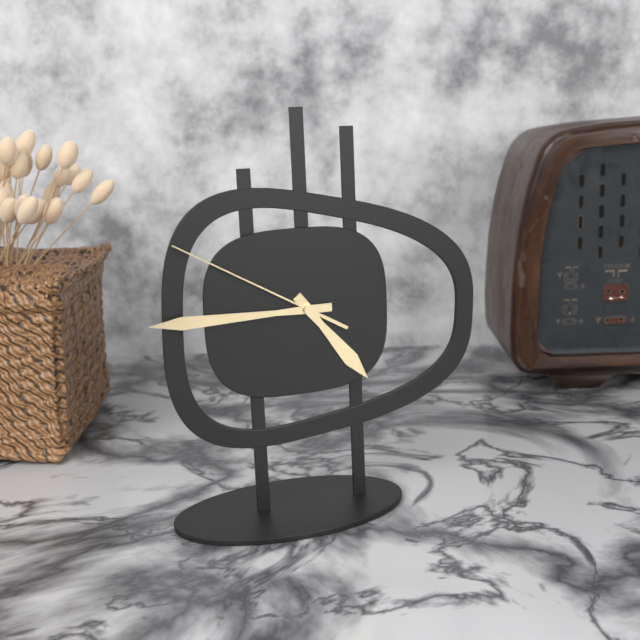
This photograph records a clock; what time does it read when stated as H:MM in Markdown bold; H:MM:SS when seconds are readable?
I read **4:45:50**
